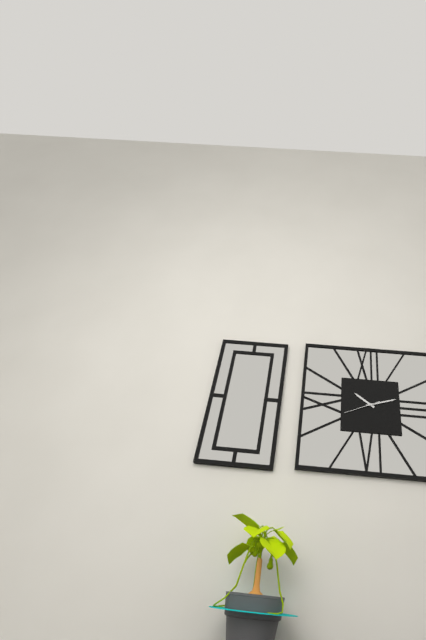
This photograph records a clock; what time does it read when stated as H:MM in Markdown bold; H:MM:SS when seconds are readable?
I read **10:12**
